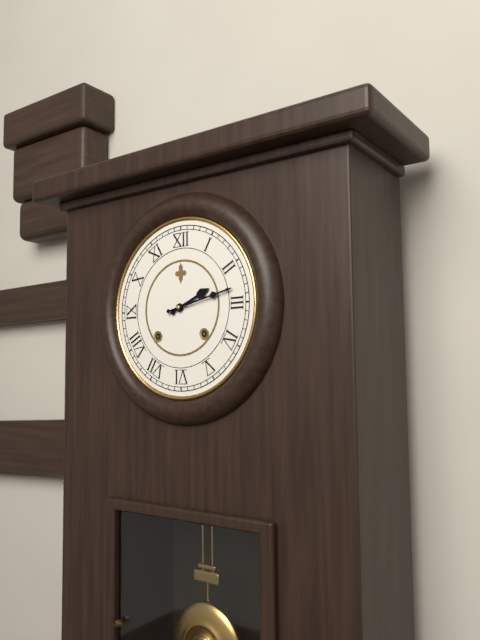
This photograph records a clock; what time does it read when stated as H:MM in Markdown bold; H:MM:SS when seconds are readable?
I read **2:13**
